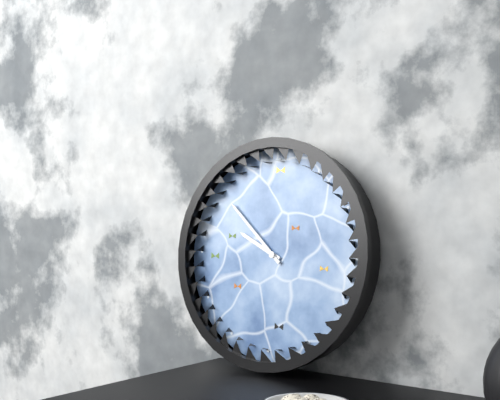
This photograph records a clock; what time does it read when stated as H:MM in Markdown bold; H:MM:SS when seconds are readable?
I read **9:52**
